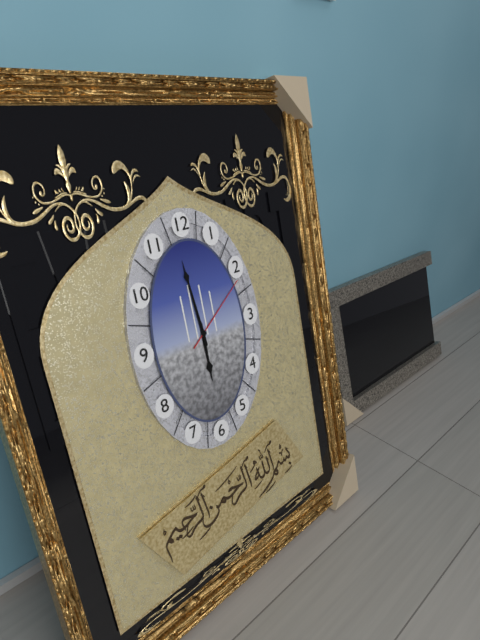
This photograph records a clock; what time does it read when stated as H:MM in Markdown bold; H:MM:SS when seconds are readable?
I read **5:59:09**
